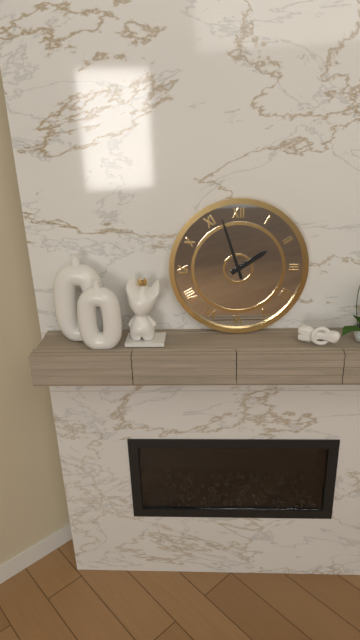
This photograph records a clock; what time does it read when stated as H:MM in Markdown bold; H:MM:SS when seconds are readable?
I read **1:57**
